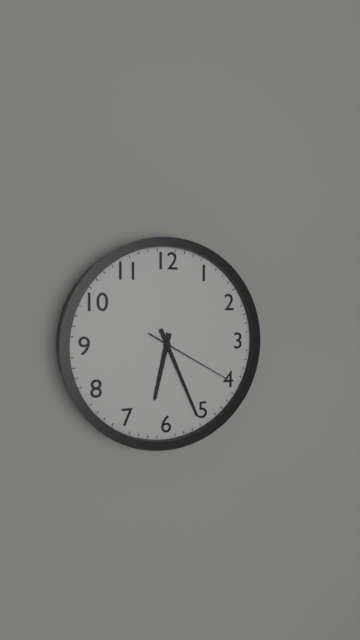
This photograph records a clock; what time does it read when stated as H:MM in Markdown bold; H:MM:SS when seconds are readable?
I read **6:26:20**
